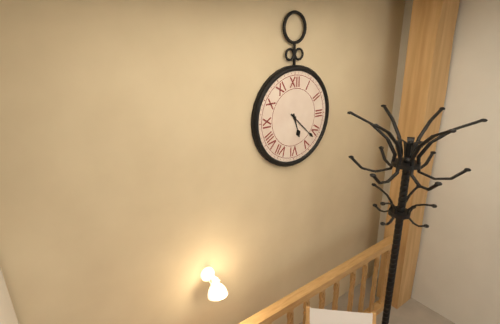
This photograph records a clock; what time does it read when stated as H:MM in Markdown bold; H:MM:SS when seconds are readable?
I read **5:22**
